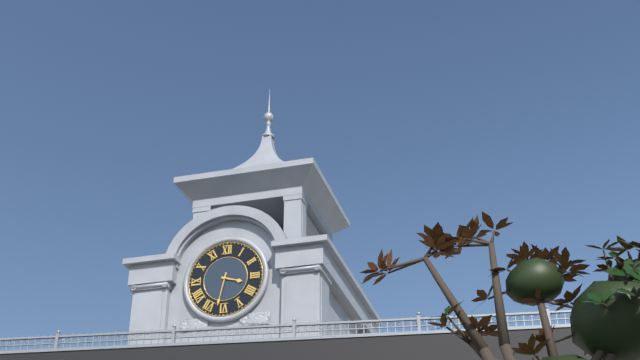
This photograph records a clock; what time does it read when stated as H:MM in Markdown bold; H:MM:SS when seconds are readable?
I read **3:32**
